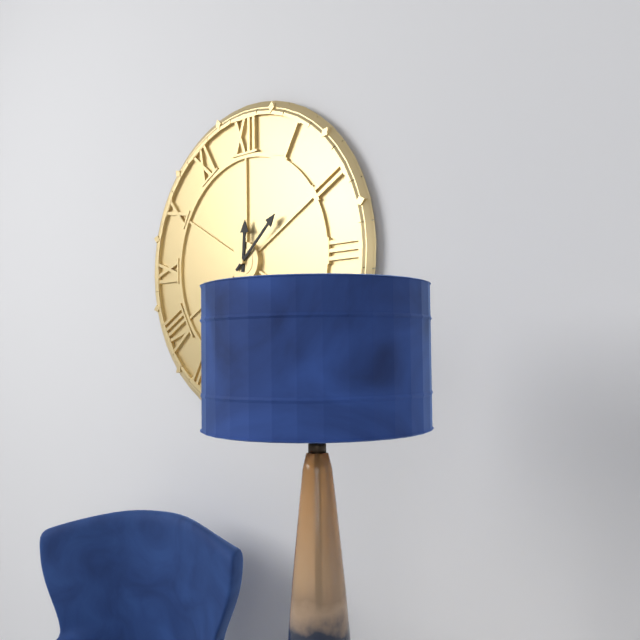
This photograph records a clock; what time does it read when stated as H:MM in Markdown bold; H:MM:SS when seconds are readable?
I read **12:08**
